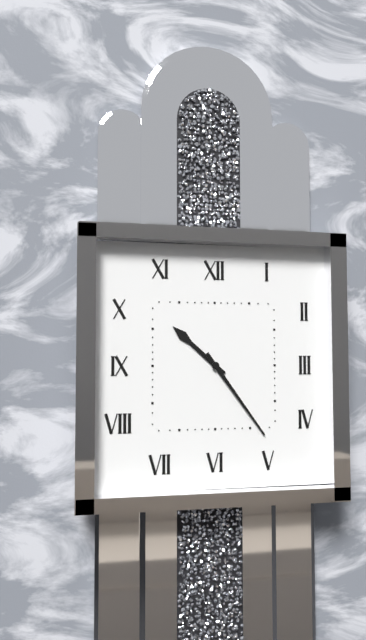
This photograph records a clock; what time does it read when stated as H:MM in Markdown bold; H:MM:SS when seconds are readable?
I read **10:24**
